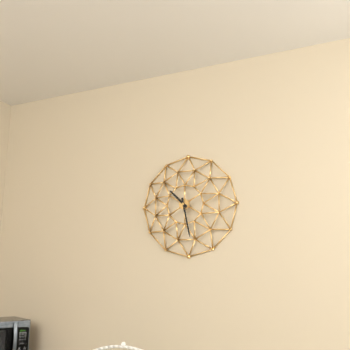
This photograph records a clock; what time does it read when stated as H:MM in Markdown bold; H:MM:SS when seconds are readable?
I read **10:28**
